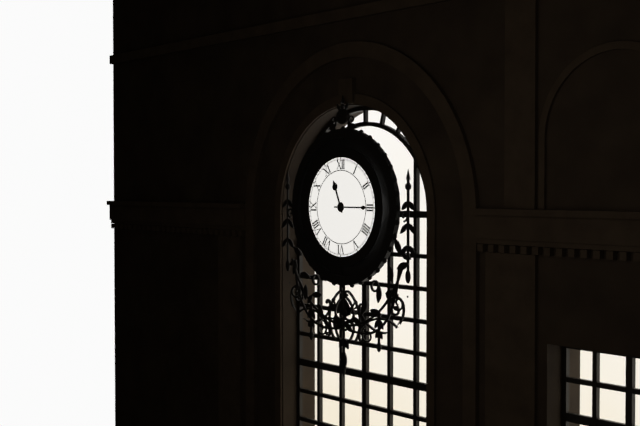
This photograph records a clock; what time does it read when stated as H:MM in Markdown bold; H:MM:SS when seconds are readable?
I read **11:15**
